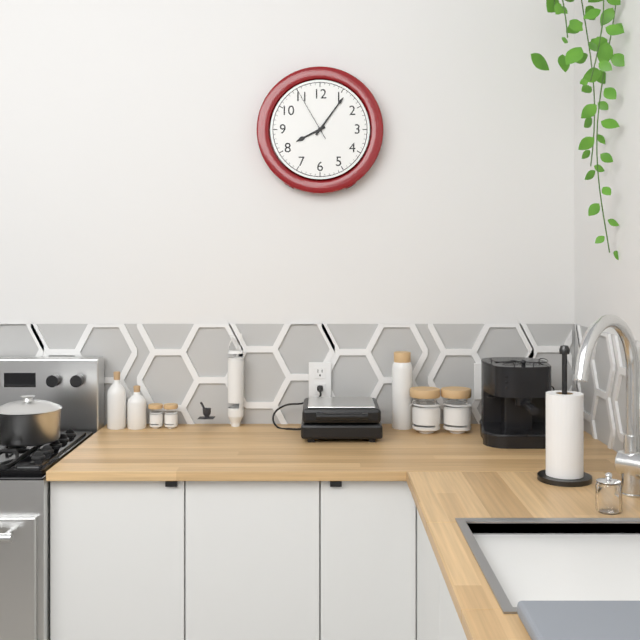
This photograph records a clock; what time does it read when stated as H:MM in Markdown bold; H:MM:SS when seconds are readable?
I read **8:06:55**
